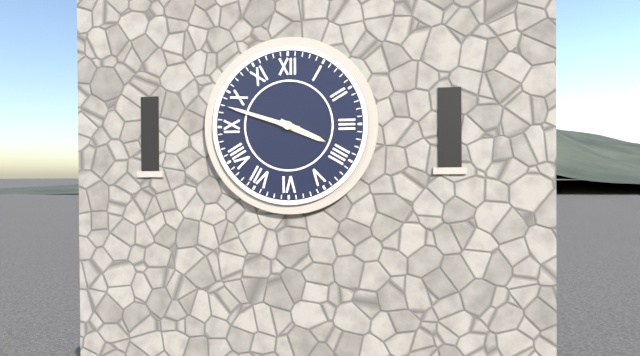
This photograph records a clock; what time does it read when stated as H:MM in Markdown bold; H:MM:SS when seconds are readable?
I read **3:48**
